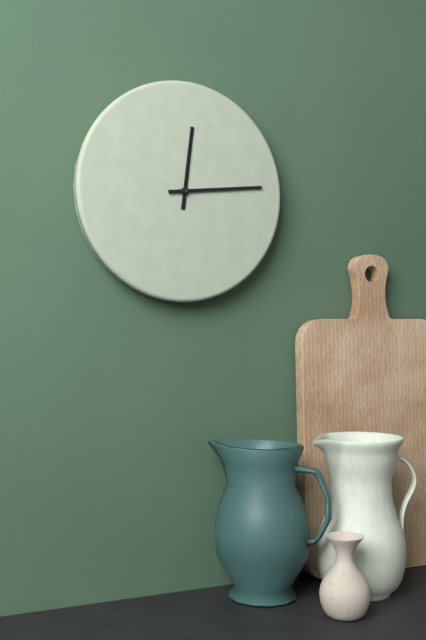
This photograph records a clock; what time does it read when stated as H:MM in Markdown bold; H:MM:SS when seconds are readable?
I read **12:14**
